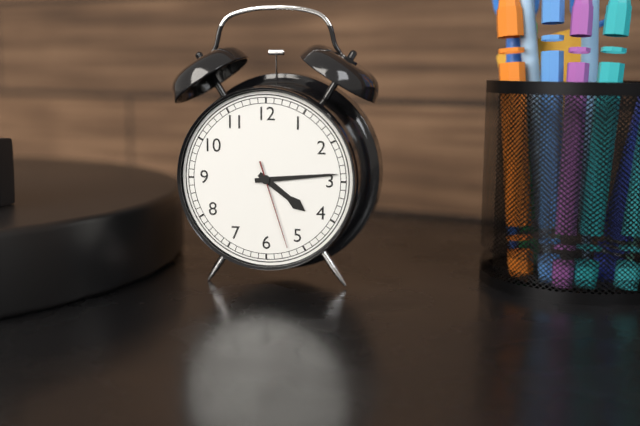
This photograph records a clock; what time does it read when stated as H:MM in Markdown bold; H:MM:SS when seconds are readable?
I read **4:14:27**
